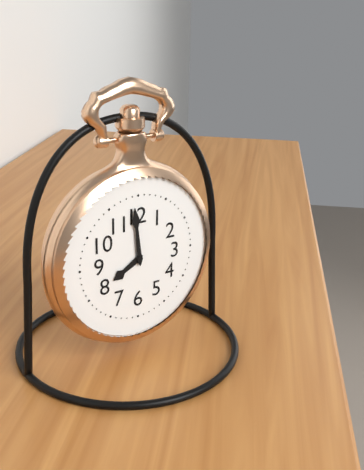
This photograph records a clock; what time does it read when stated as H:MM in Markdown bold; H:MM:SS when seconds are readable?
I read **7:59**
